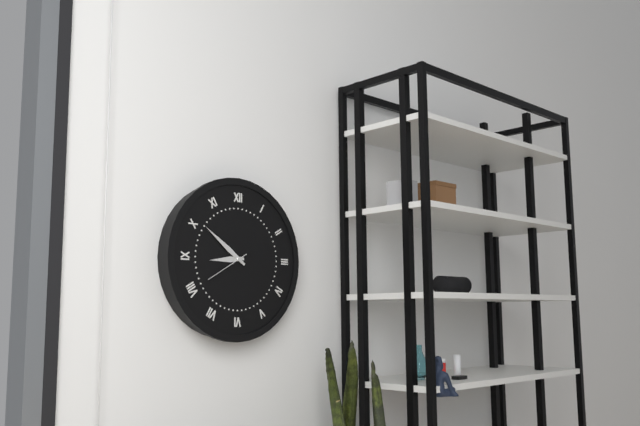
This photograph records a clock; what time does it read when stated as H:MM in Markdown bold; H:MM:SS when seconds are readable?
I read **8:51**
